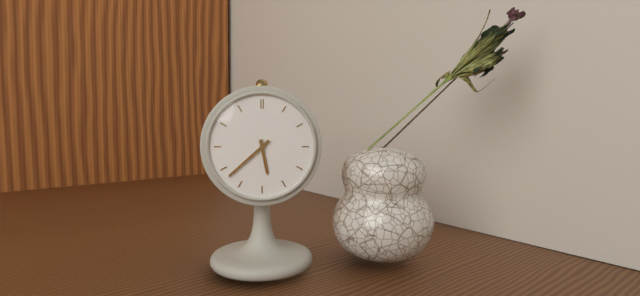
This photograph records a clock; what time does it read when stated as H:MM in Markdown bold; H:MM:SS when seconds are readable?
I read **5:38**
